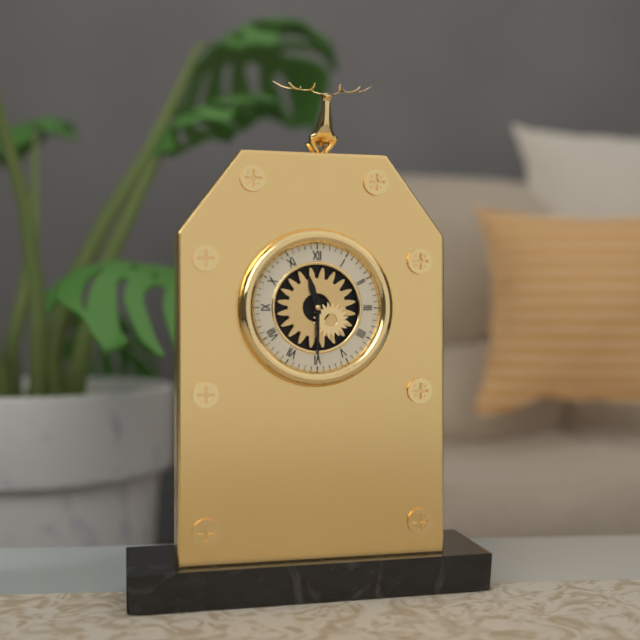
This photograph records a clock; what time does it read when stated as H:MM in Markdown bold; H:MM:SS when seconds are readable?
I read **11:30**
